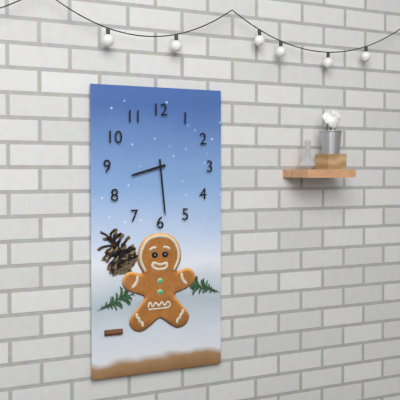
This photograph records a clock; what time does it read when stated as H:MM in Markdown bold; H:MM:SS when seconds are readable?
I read **8:29**
